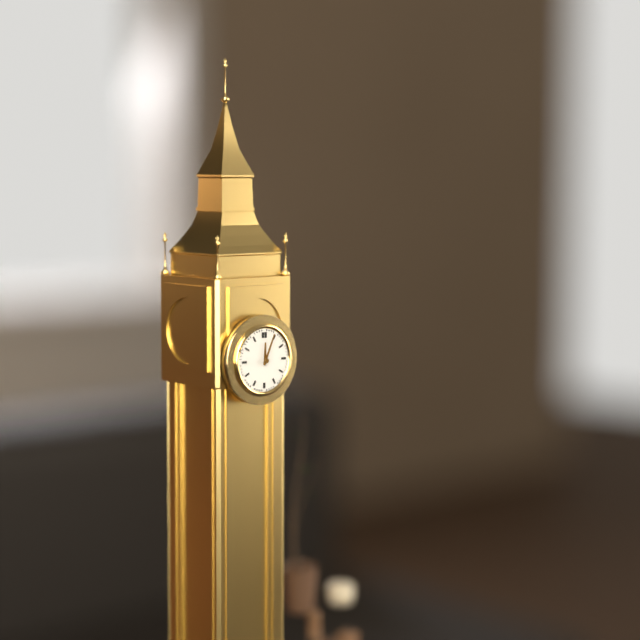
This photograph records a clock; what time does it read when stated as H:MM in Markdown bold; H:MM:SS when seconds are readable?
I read **12:04**
